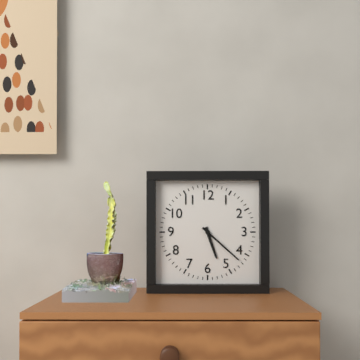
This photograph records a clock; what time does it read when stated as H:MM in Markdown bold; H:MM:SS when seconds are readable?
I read **5:22**
